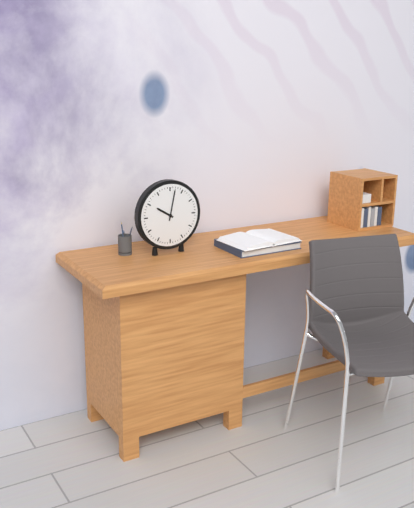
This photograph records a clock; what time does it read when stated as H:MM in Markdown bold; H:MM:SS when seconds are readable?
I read **10:02**
